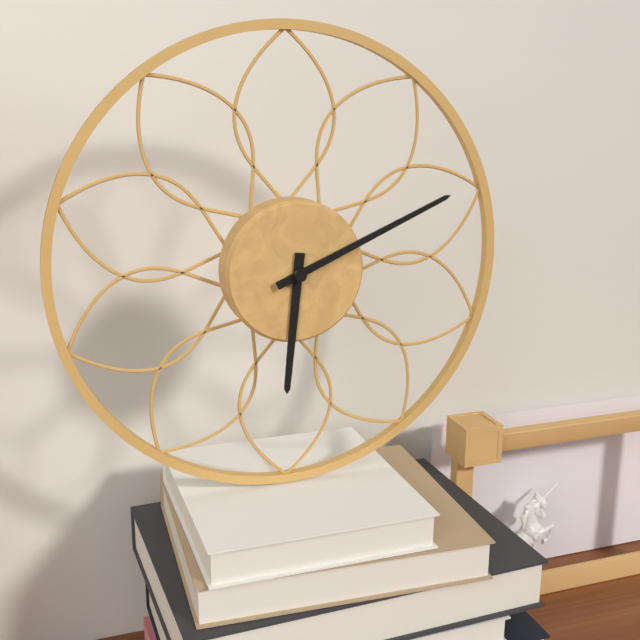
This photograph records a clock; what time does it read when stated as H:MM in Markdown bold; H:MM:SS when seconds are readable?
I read **6:11**
